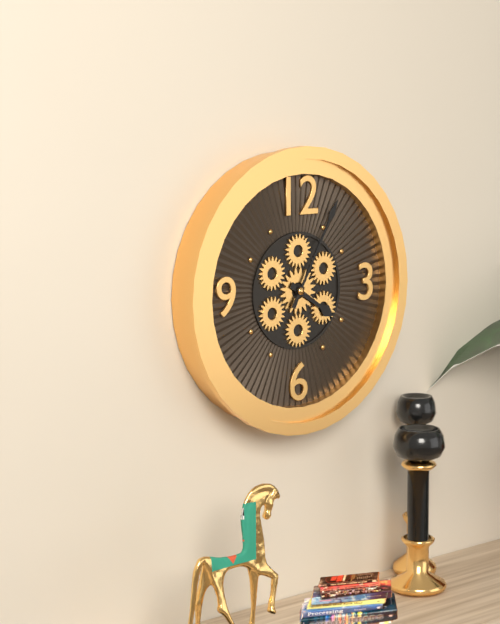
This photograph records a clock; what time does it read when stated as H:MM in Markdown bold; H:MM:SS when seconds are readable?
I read **4:05**
